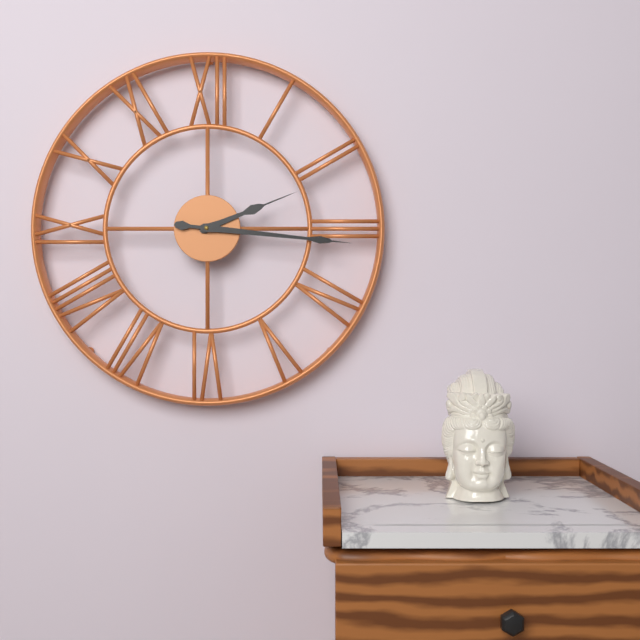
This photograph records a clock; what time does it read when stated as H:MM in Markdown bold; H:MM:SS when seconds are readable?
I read **2:16**
